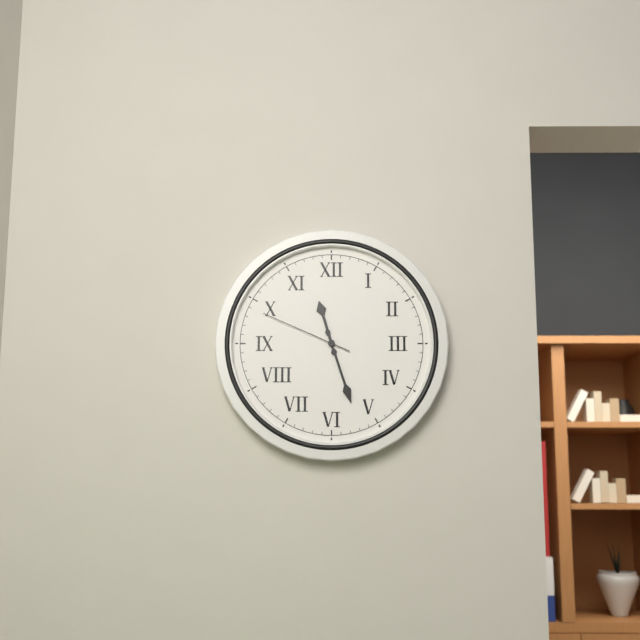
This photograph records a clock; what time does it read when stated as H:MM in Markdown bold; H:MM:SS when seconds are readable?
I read **11:27:49**
